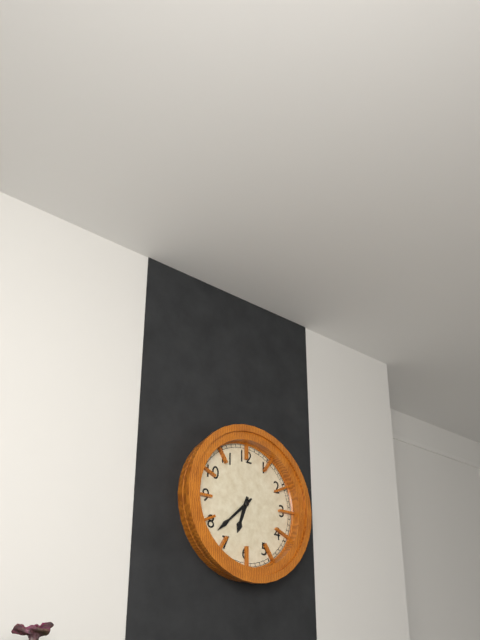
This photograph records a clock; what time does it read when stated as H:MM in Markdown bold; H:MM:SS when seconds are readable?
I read **6:38**
